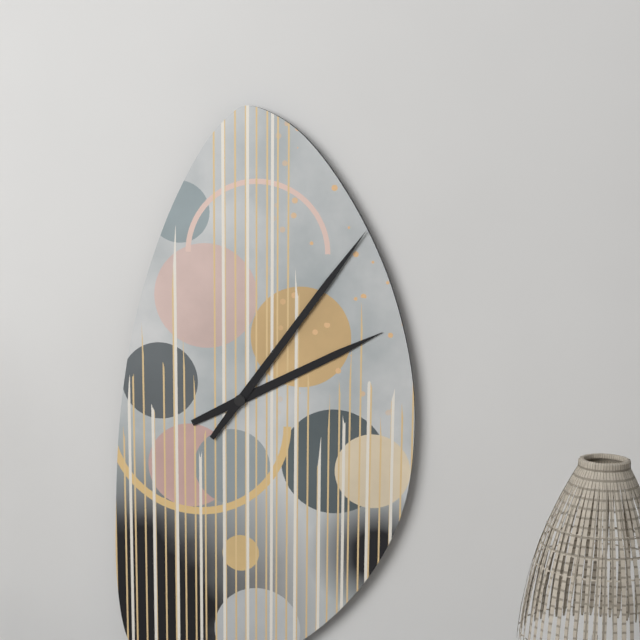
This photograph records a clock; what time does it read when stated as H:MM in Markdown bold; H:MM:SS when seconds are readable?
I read **2:06**
